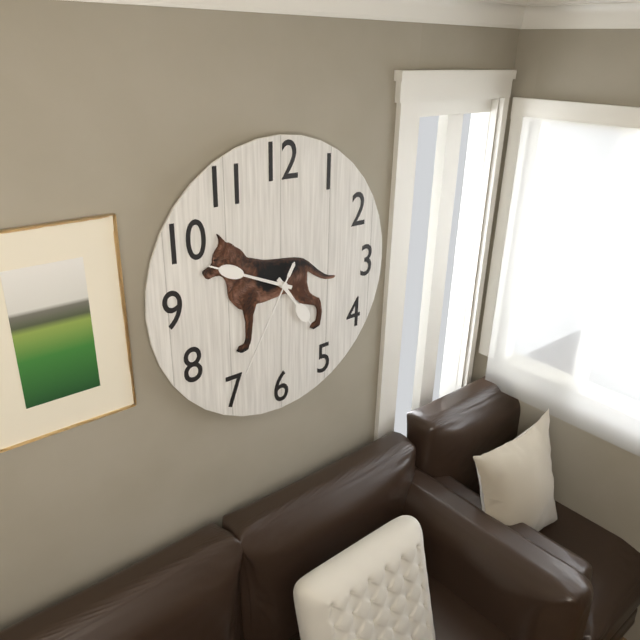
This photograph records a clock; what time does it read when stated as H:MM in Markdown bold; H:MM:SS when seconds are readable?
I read **4:49:35**
